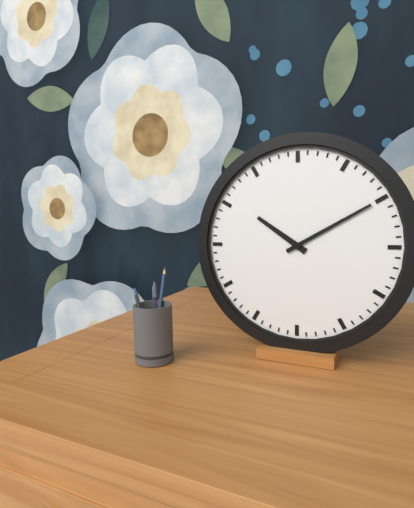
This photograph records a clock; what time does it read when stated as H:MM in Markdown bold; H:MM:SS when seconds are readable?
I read **10:10**
